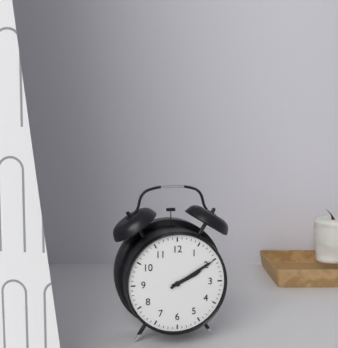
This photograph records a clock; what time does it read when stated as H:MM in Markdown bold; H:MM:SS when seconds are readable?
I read **2:10**
